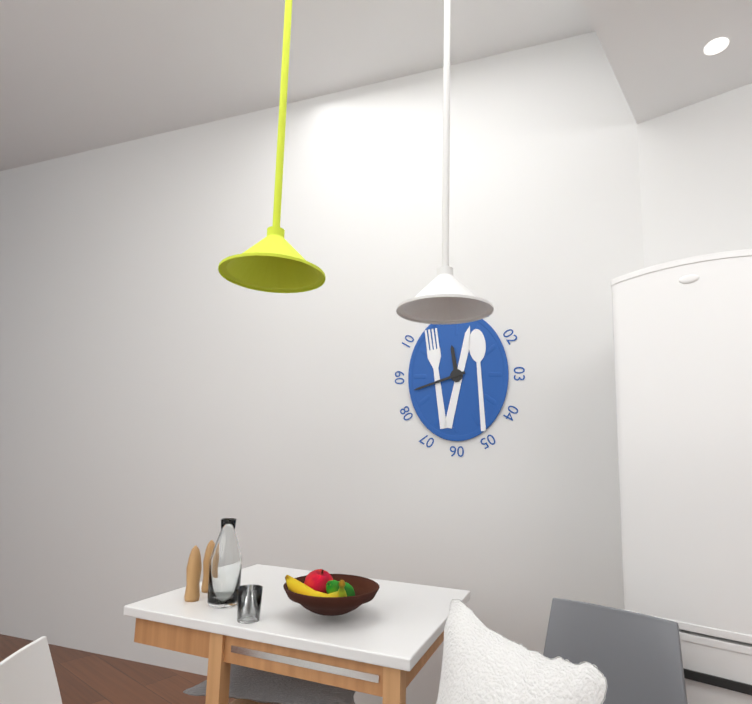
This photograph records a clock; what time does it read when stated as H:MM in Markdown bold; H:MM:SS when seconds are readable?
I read **11:42**
